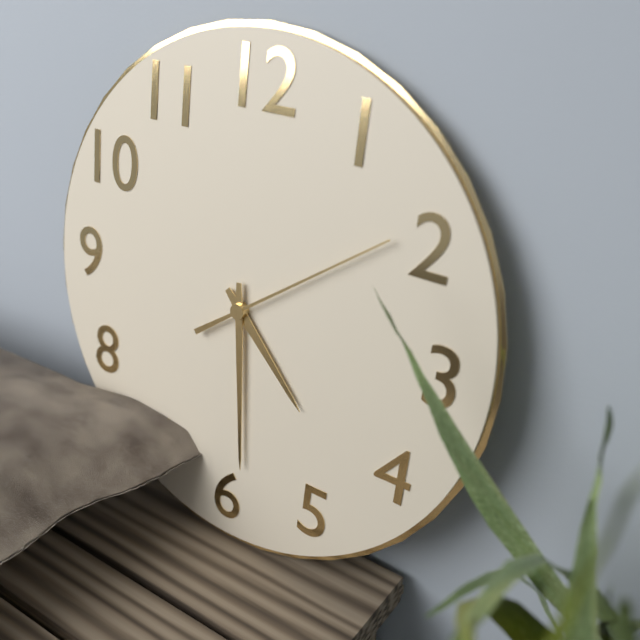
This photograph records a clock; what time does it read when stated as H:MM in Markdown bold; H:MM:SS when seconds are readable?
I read **4:29:09**
